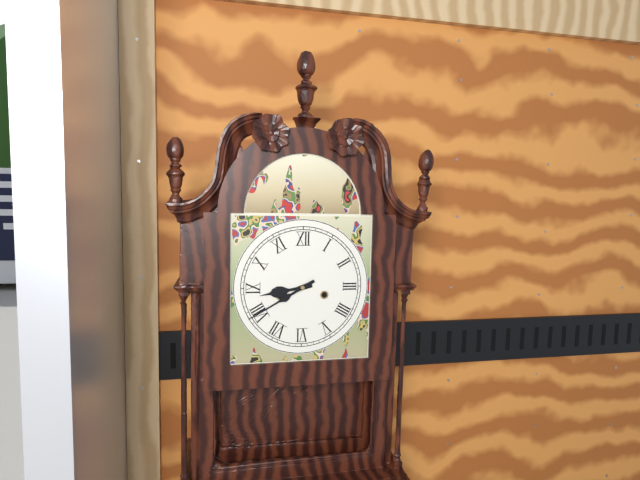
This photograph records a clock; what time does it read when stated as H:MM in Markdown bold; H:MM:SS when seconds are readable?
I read **8:40**
